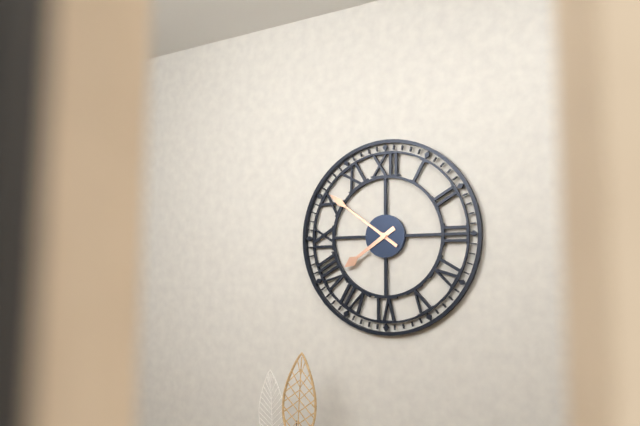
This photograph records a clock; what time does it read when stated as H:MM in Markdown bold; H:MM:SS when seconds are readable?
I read **7:51**
